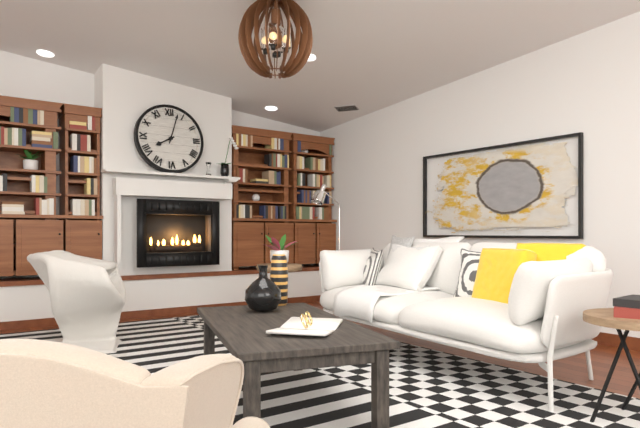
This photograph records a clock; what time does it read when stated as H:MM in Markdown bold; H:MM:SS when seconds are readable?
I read **8:03**
